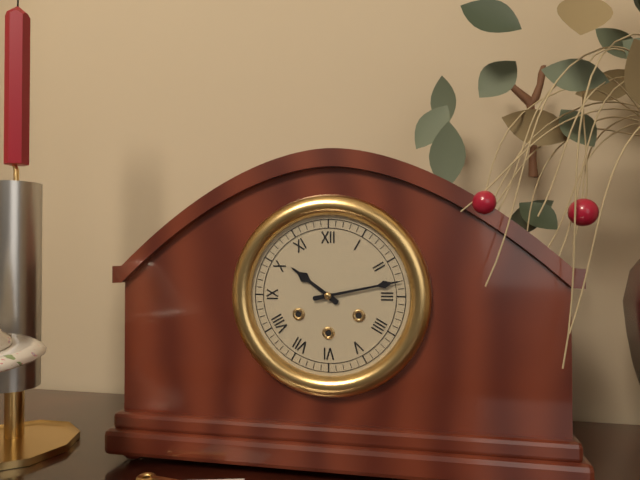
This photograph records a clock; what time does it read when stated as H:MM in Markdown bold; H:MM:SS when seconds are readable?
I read **10:13**
